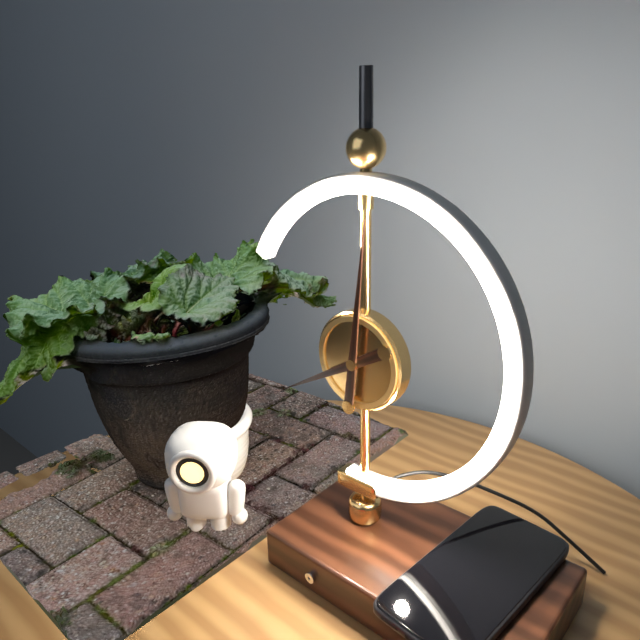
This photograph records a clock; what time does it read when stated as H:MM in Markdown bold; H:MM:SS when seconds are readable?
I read **8:01**
